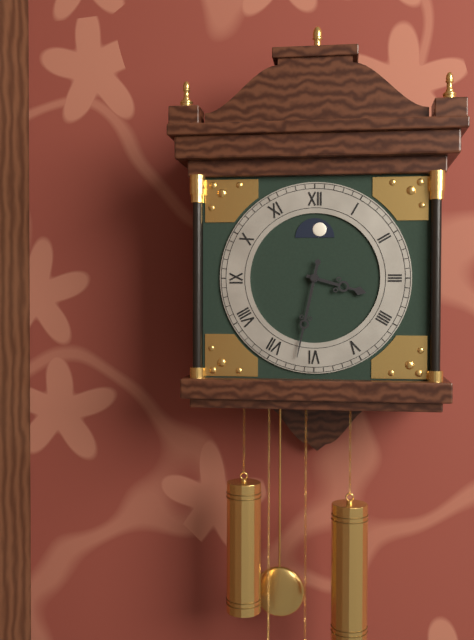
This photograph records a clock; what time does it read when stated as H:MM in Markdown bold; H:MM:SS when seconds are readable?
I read **3:32**
